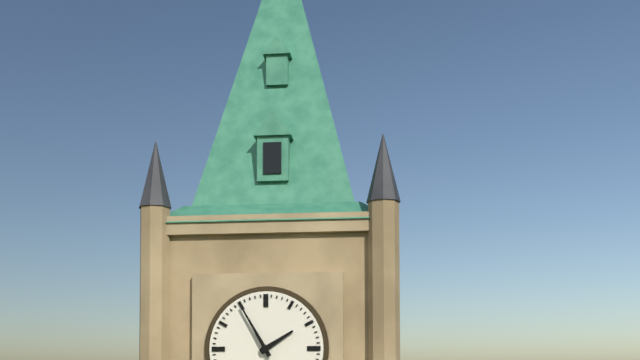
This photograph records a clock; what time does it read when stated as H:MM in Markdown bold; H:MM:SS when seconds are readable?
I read **1:55**
